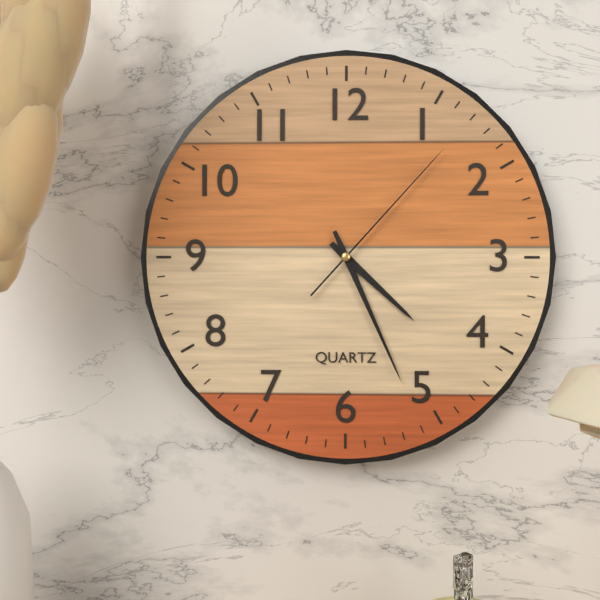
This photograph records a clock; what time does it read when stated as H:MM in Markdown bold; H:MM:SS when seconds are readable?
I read **4:26:07**
